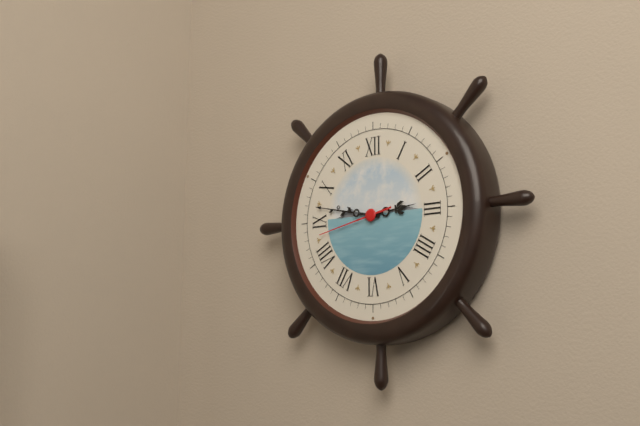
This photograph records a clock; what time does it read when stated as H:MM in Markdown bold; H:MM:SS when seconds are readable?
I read **2:47:43**
